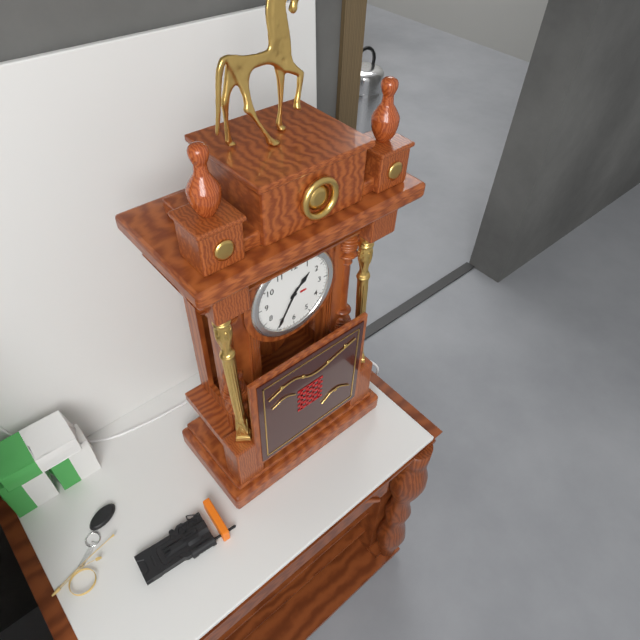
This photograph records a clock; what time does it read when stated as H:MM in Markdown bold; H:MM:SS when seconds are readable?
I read **1:35**
